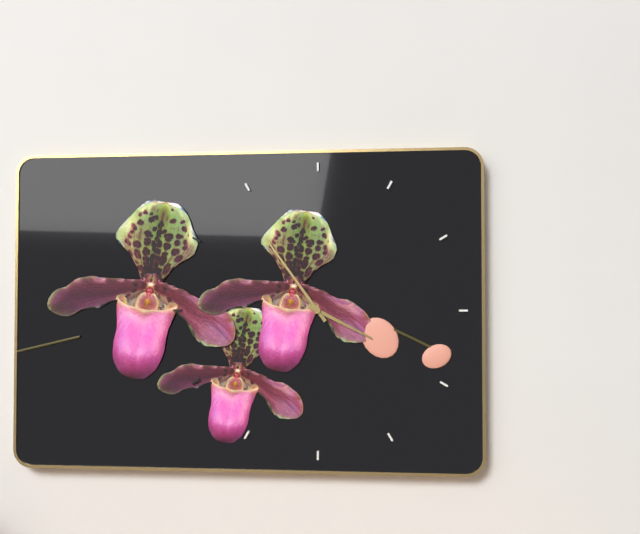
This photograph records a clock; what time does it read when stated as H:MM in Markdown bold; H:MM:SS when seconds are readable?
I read **3:54**
